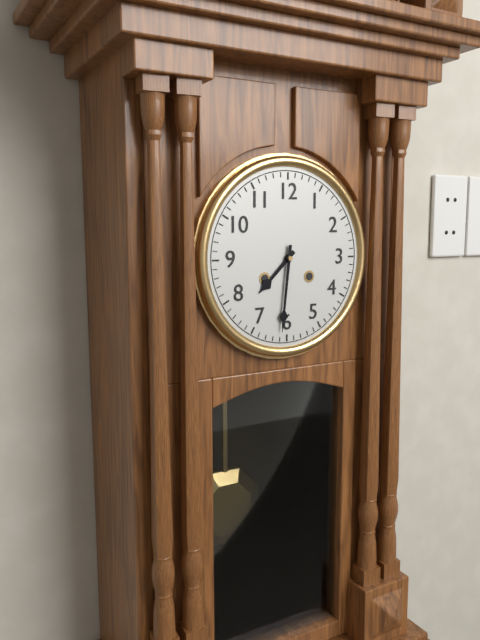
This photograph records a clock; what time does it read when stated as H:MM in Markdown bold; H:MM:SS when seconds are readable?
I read **7:31**
